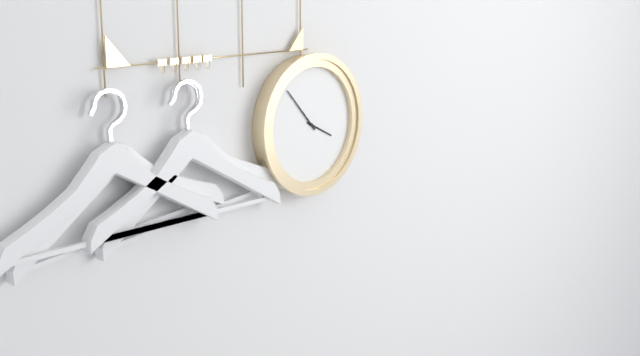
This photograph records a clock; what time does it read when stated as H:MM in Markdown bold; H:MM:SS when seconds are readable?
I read **3:53**
